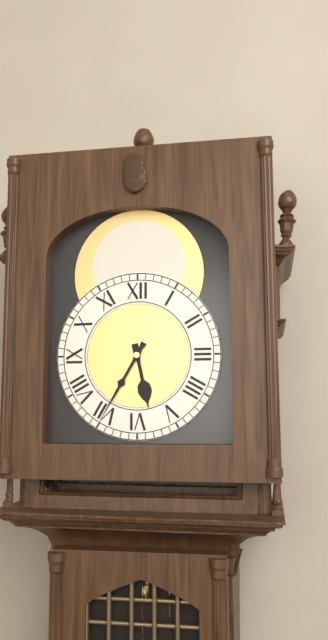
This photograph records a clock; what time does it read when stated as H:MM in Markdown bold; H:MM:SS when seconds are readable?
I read **5:35**
